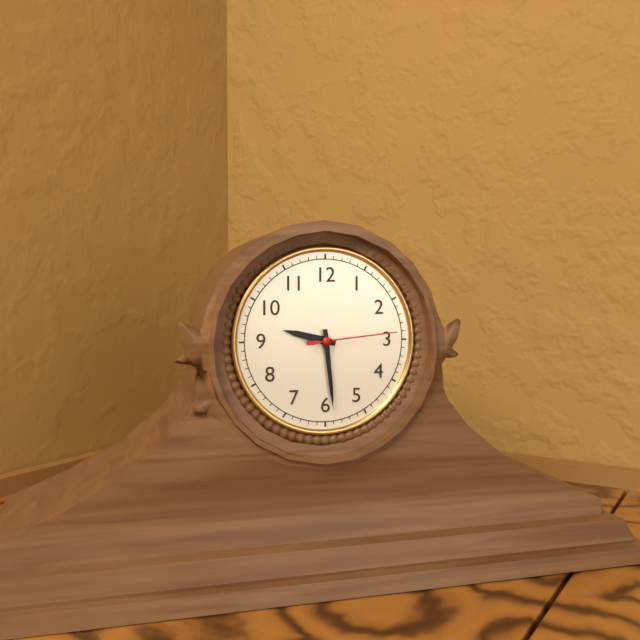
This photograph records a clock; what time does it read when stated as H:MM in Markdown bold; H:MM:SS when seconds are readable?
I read **9:29:14**
